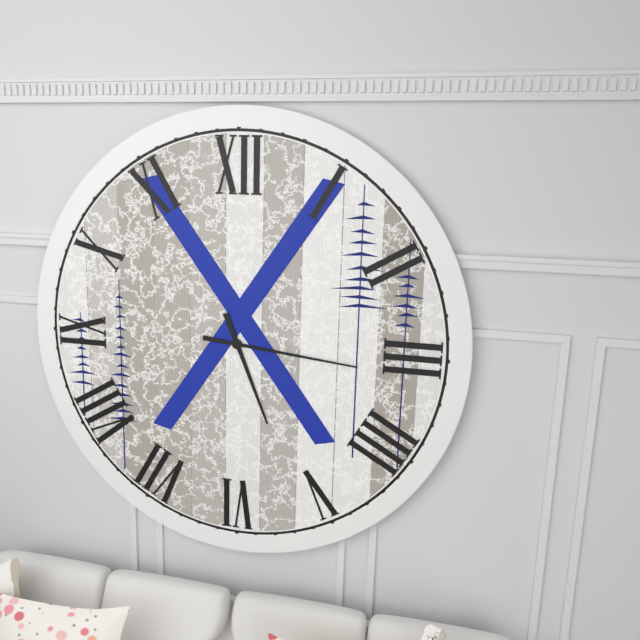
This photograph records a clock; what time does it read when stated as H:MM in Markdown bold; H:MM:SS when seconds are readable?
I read **5:16**
